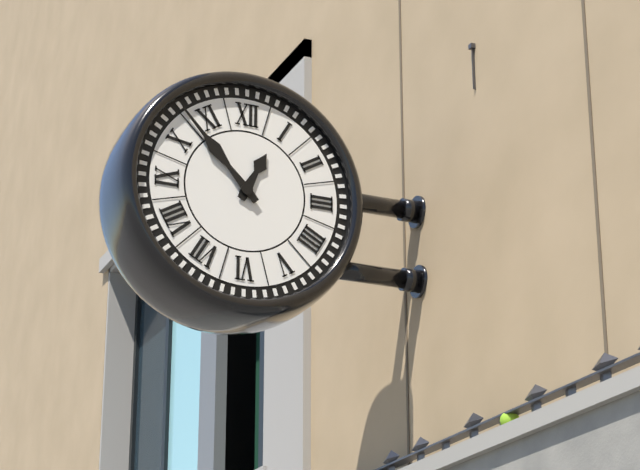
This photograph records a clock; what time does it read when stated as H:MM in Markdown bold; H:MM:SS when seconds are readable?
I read **12:53**
